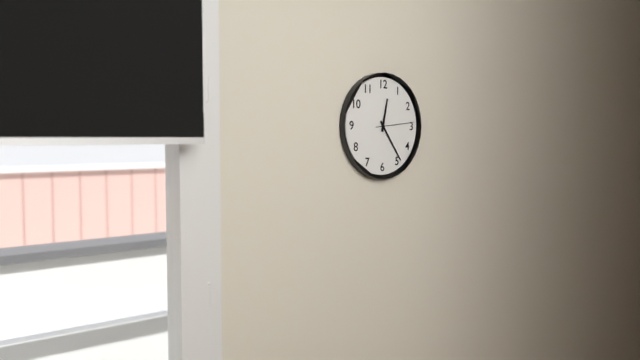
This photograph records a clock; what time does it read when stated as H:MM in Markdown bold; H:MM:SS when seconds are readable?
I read **12:24**
